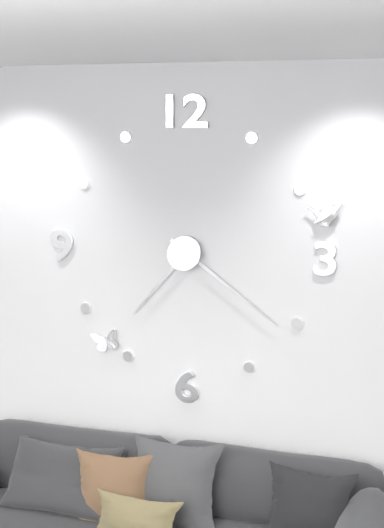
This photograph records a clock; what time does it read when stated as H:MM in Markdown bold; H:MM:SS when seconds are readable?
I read **7:21**
